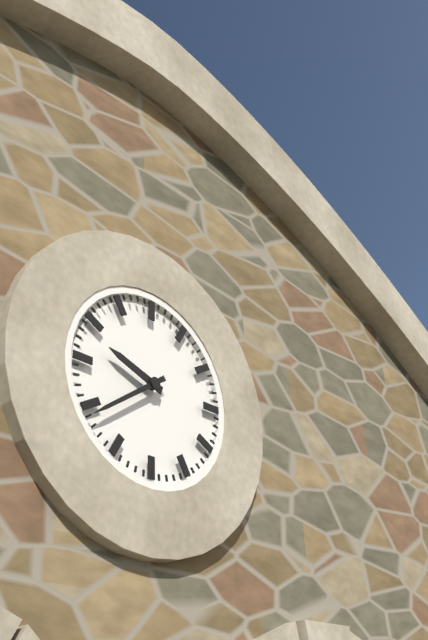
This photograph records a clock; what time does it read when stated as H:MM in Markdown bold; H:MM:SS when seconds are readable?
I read **9:39**
